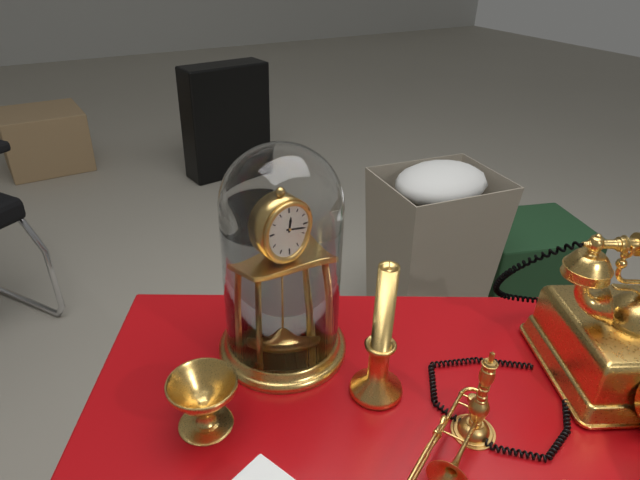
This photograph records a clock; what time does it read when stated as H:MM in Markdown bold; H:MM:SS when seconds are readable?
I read **12:17**
